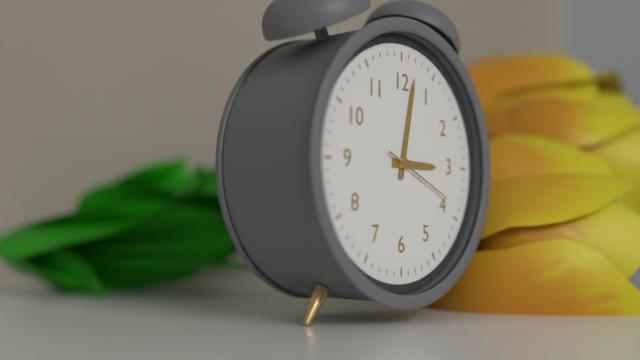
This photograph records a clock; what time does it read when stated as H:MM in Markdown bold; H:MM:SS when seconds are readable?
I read **3:02:19**
